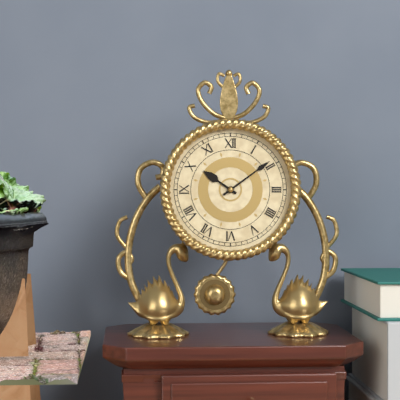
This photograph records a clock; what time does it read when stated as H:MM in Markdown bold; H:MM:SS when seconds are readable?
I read **10:09**
